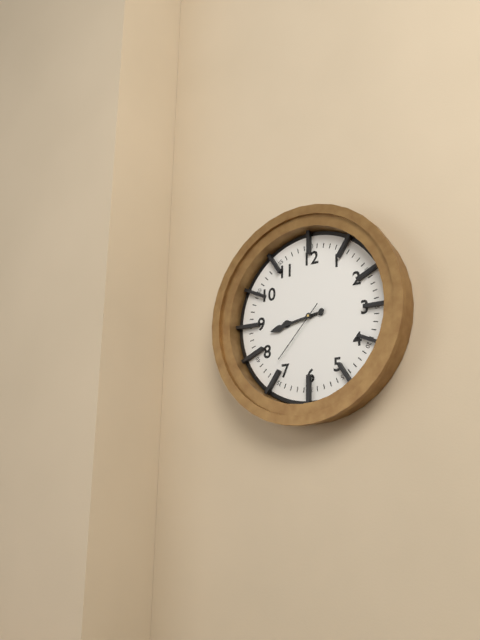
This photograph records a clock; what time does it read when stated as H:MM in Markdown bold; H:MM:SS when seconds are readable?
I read **8:43:37**
